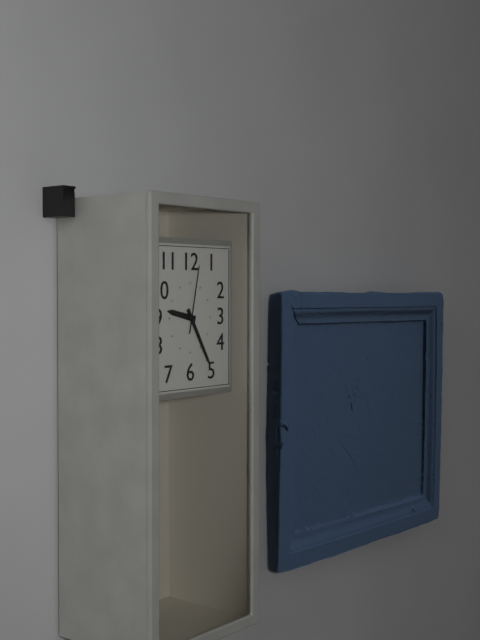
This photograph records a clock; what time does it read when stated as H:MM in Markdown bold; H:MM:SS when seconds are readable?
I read **9:25:02**
